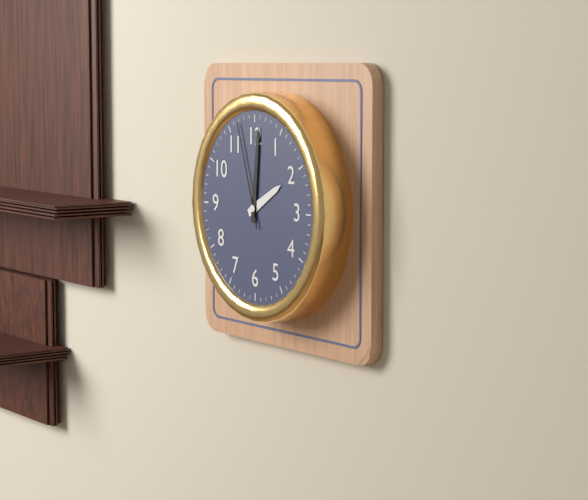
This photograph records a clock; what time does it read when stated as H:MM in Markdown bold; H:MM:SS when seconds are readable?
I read **2:01:57**
